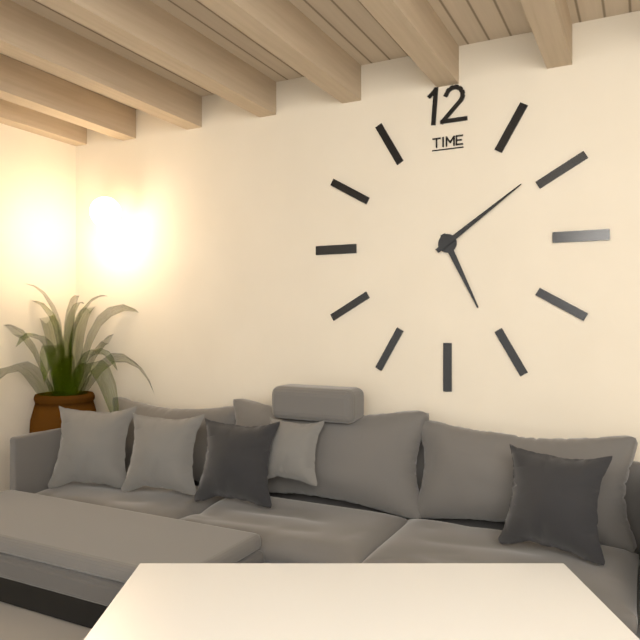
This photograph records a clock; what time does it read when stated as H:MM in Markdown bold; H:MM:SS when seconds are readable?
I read **5:09**
